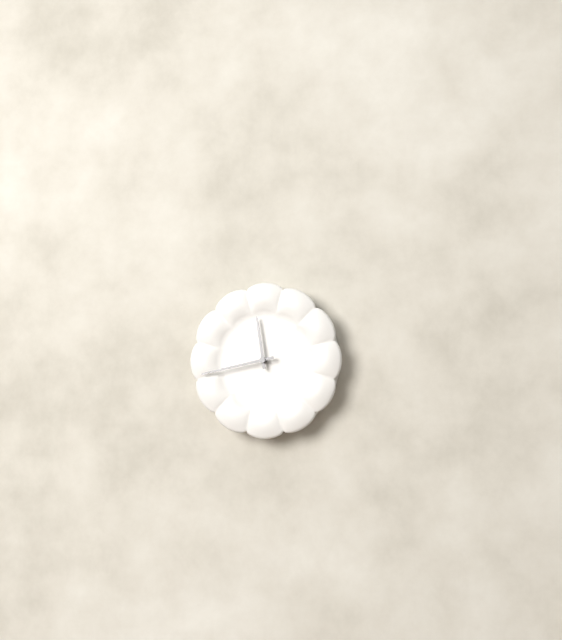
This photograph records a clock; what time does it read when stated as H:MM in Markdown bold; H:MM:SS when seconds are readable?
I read **11:43**
